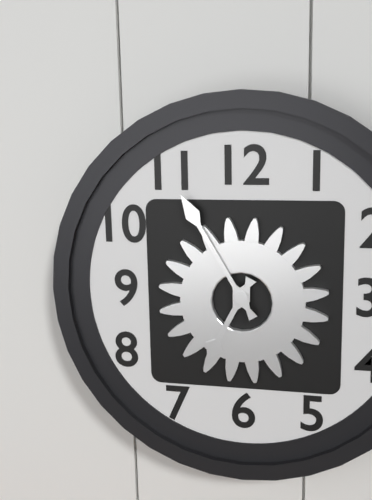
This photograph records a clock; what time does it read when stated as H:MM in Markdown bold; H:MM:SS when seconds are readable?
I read **6:55**
